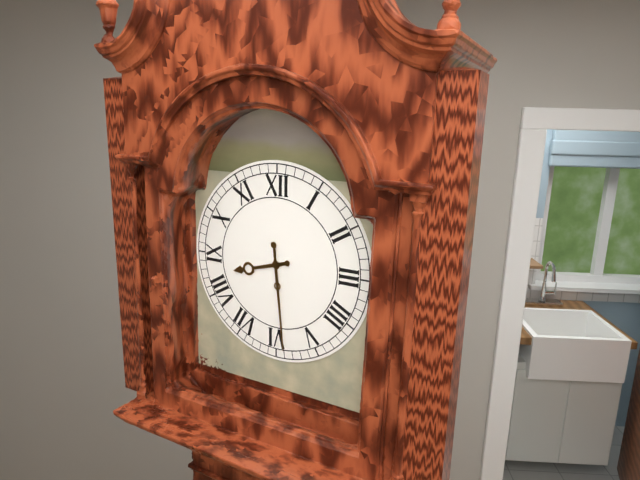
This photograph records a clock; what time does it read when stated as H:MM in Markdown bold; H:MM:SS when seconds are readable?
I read **8:29**
